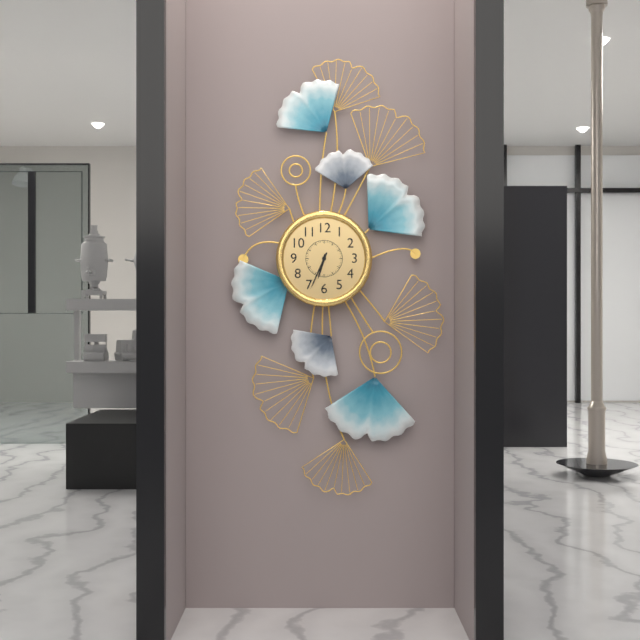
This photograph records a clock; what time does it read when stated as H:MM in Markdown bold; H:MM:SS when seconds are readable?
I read **6:34**
